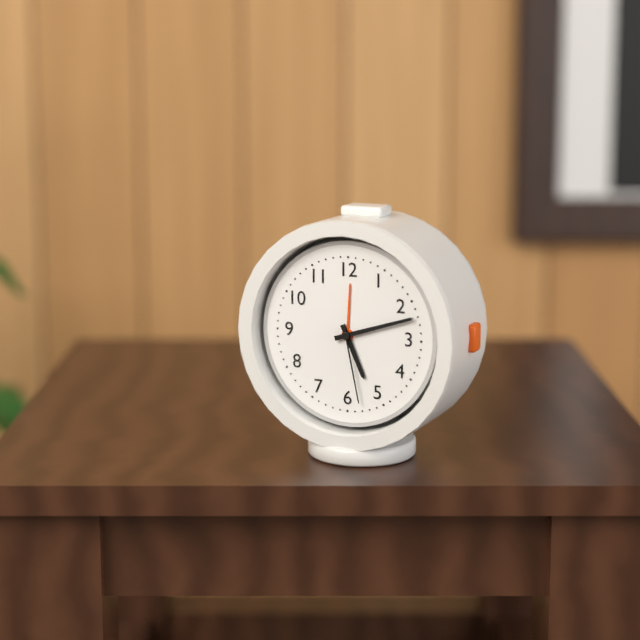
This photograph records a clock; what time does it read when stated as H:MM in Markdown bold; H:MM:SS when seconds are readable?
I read **5:12:28**
